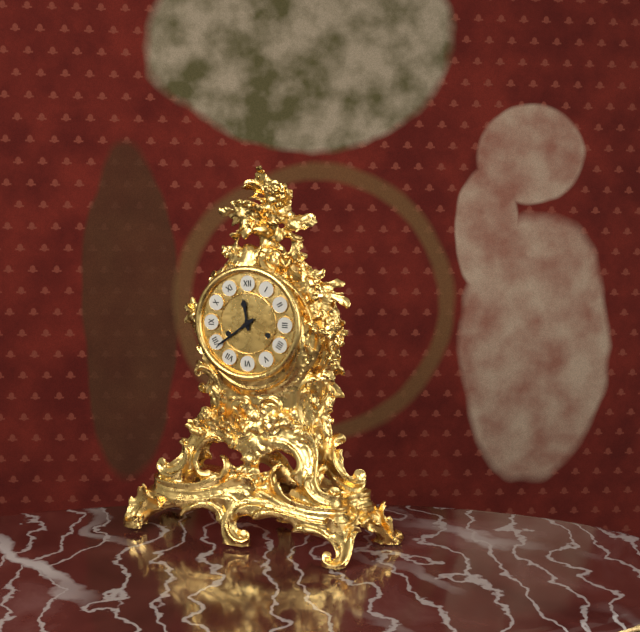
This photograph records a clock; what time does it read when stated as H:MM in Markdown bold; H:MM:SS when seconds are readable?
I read **11:39**
